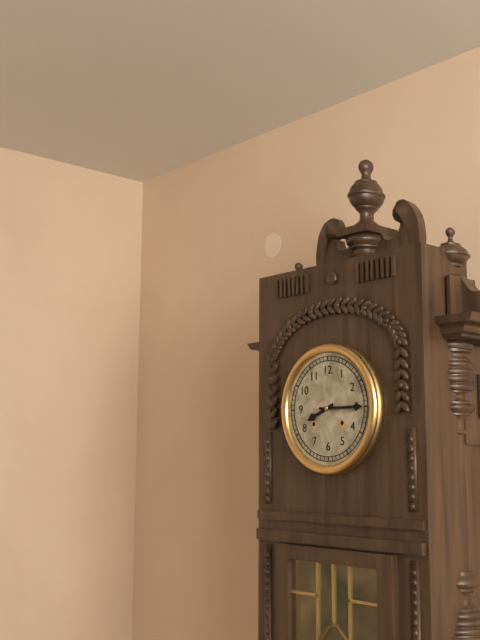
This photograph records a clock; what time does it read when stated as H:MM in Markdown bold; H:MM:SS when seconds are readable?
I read **8:15**
